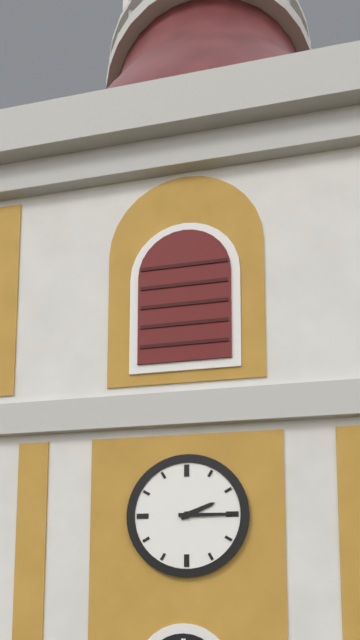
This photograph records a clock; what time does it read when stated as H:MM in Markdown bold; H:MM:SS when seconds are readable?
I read **2:15**
